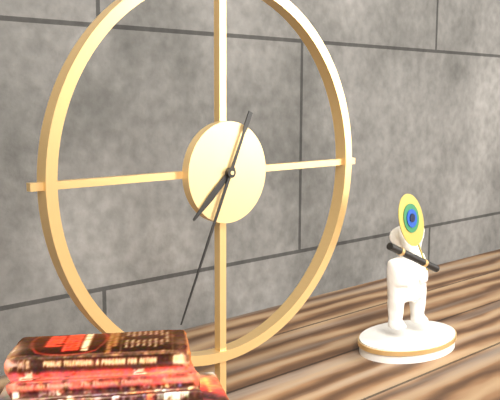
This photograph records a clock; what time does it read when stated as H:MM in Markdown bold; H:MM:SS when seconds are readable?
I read **7:34**
